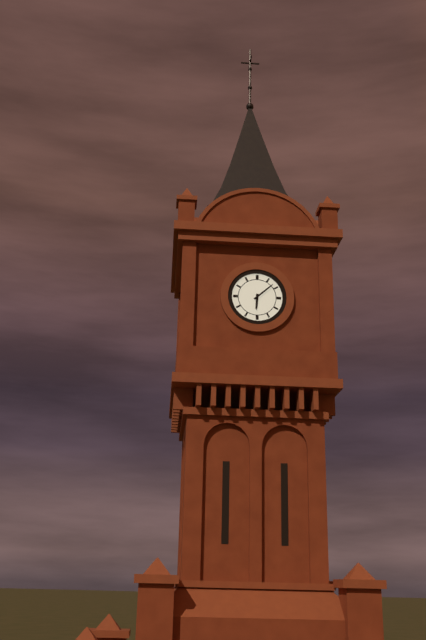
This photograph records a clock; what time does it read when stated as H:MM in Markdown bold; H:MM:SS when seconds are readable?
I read **6:08**
